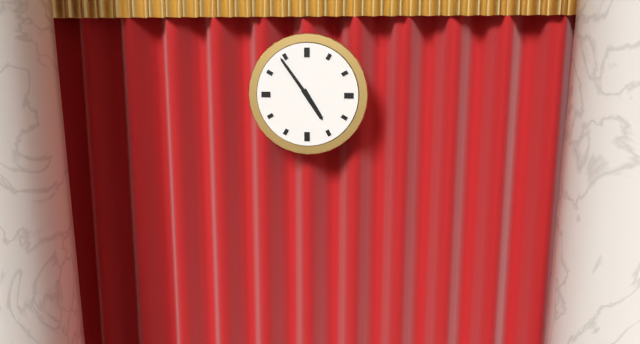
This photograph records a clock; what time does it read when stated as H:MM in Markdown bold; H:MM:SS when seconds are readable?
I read **4:54**
